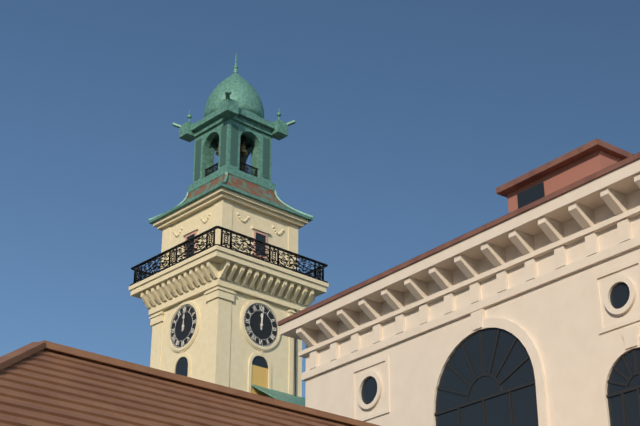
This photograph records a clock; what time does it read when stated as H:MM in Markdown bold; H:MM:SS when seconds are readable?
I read **12:01**
